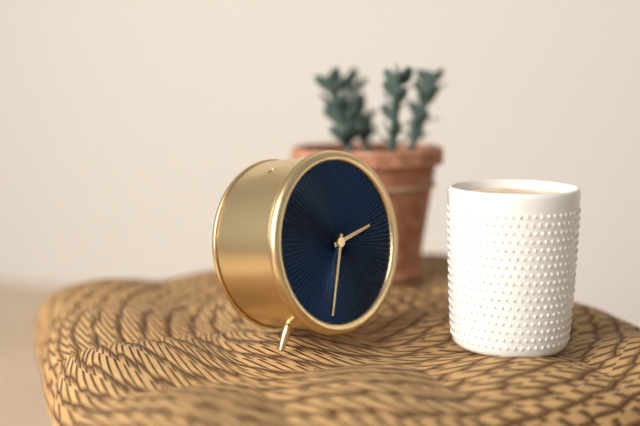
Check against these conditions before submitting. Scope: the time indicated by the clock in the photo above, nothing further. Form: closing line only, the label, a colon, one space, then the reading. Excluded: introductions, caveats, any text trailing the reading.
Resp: 2:33
